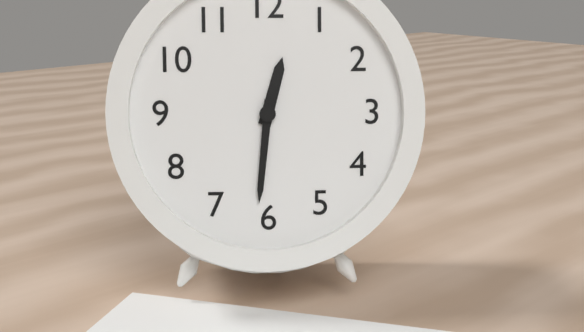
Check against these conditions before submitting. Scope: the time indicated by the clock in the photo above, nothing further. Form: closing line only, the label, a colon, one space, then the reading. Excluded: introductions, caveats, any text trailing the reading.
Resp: 12:31
